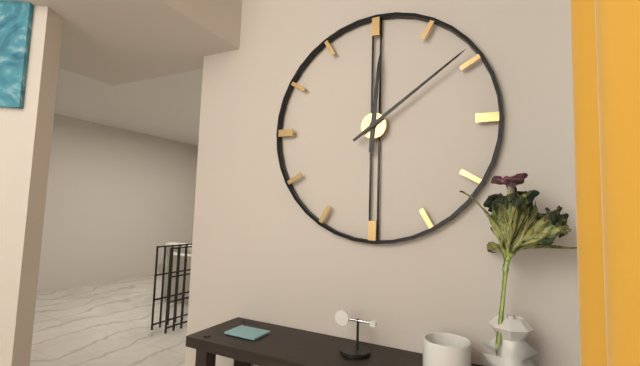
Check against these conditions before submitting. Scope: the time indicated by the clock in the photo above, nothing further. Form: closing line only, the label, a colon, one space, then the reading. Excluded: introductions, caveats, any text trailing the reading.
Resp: 12:09
